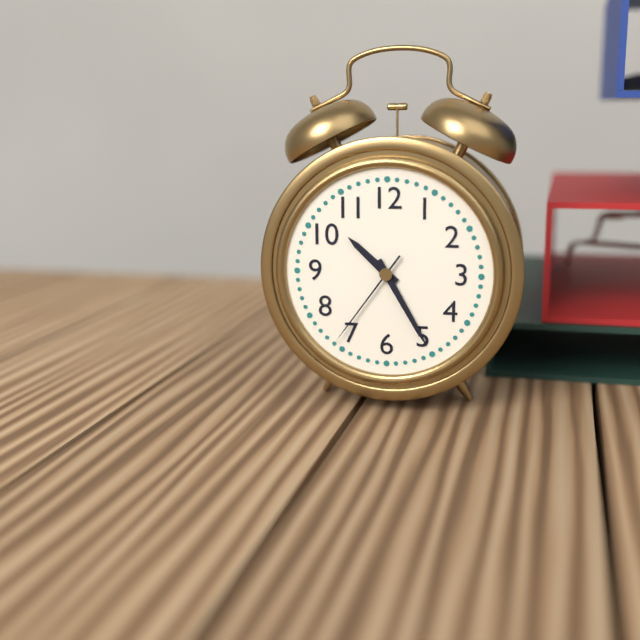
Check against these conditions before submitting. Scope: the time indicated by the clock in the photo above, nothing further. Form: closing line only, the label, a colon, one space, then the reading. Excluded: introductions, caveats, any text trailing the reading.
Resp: 10:25:36
